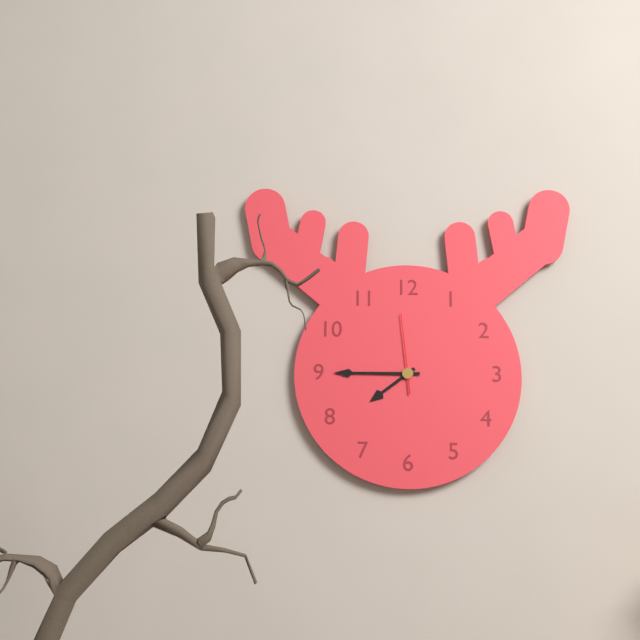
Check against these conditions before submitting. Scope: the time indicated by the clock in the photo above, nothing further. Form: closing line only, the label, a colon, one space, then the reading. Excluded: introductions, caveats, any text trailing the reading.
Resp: 7:45:59
